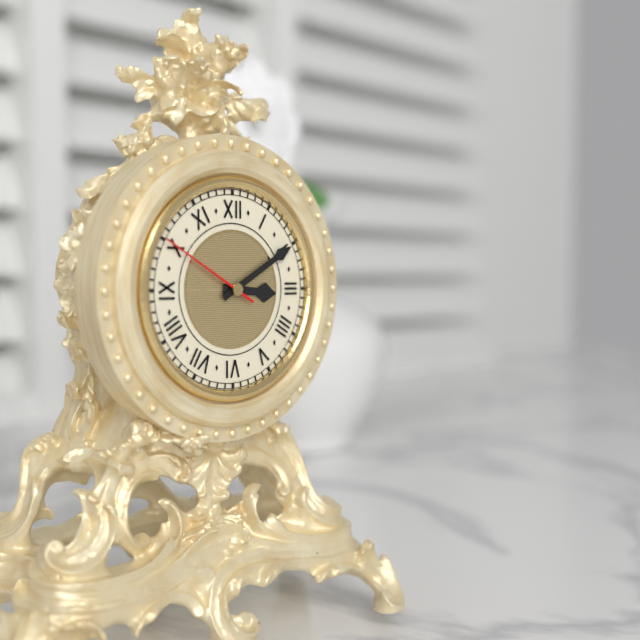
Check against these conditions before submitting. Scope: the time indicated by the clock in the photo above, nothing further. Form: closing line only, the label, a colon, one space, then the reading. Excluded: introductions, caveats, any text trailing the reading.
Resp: 3:10:50
